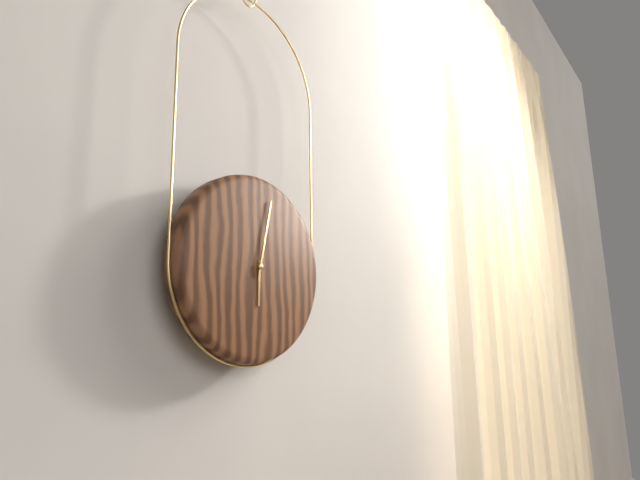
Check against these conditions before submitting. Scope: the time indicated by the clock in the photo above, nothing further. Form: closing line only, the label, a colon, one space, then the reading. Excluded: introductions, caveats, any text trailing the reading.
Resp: 6:02
